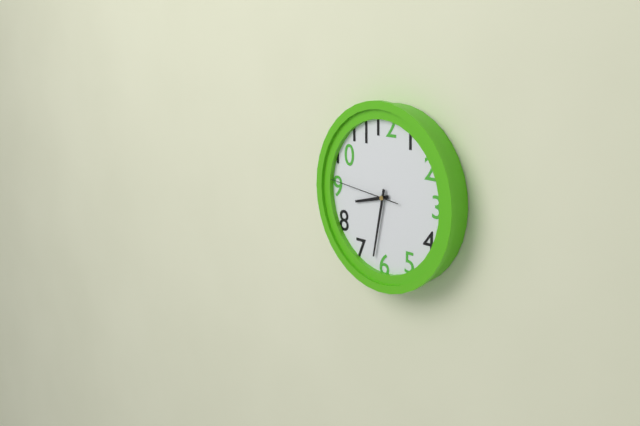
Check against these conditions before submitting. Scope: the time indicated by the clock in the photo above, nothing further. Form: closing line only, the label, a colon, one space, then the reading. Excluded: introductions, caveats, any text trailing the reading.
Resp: 8:32:46
